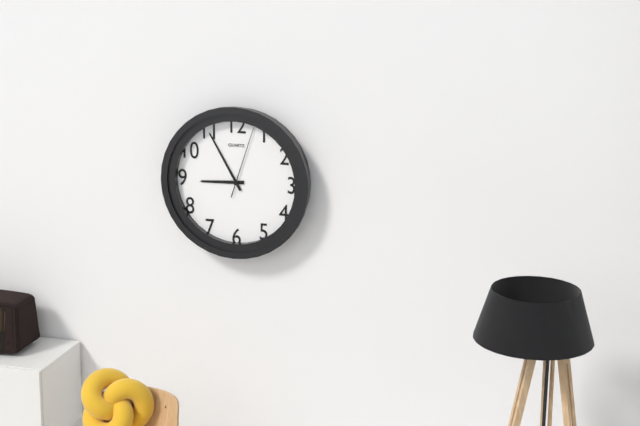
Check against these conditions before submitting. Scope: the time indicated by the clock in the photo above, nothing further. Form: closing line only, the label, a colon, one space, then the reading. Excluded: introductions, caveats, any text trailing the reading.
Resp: 8:55:03
